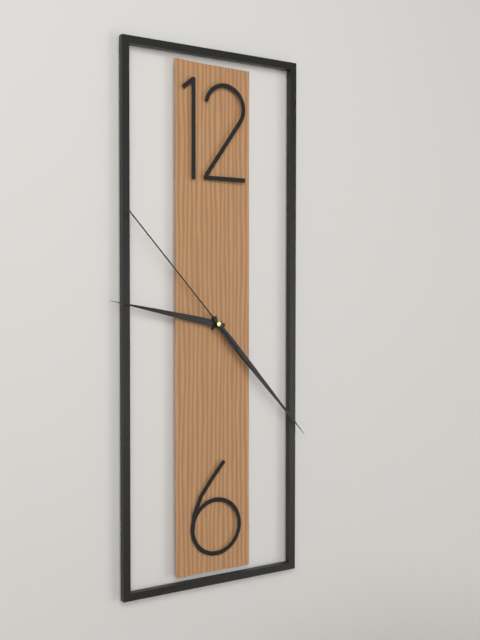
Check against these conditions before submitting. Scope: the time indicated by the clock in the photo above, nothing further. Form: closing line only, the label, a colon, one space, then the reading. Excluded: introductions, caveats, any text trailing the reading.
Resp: 9:23:53
